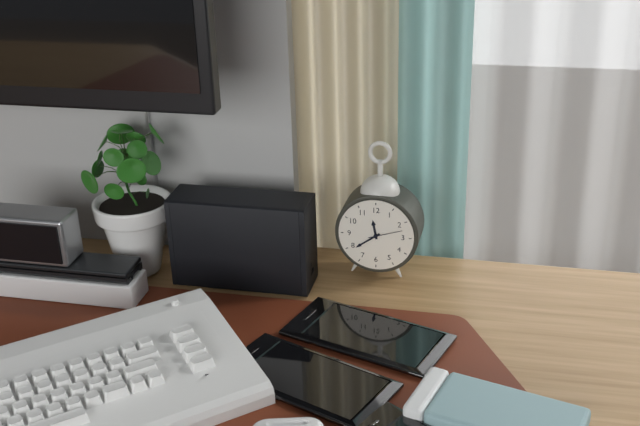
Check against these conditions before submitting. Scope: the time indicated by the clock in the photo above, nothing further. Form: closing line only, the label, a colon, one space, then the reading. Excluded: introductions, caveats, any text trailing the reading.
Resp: 11:39
